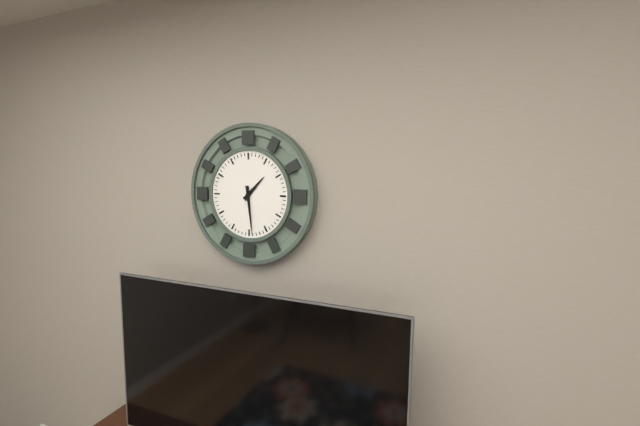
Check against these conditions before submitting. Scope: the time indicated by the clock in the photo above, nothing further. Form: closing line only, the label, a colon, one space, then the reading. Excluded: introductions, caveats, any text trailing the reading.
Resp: 1:29
